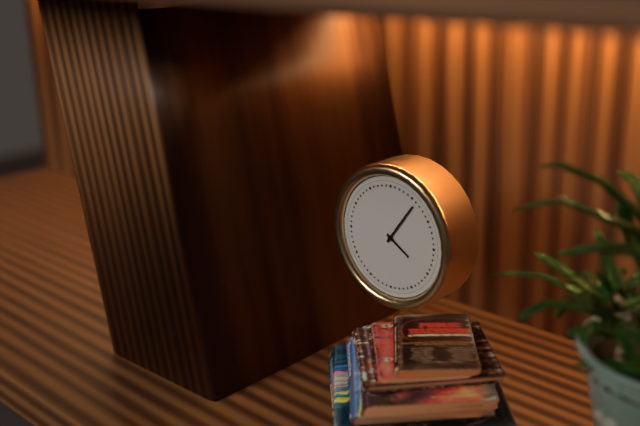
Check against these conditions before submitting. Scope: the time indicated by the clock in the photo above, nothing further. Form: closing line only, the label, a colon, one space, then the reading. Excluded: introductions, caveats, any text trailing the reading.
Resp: 4:06
